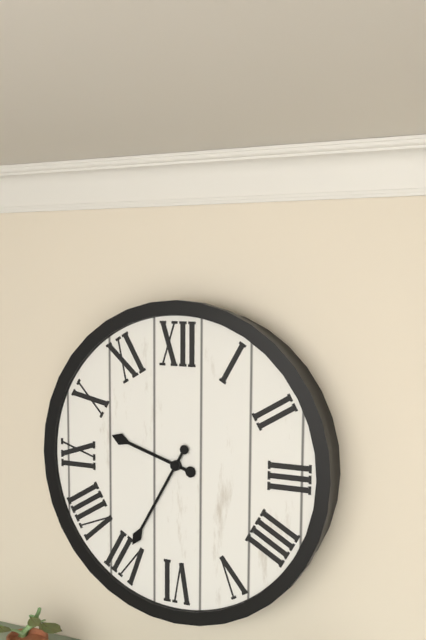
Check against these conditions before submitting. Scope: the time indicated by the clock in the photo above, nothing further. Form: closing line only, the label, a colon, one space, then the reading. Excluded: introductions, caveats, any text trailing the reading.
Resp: 9:35
